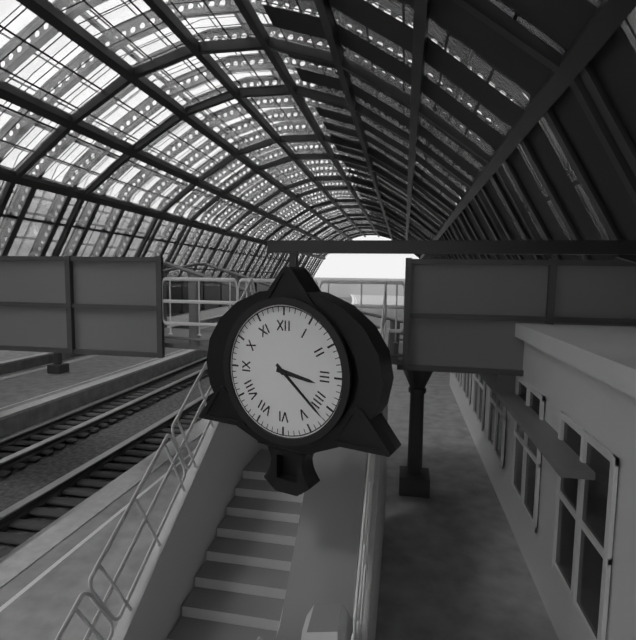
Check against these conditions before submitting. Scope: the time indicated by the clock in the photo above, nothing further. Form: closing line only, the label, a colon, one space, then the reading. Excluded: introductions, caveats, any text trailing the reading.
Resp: 3:22
